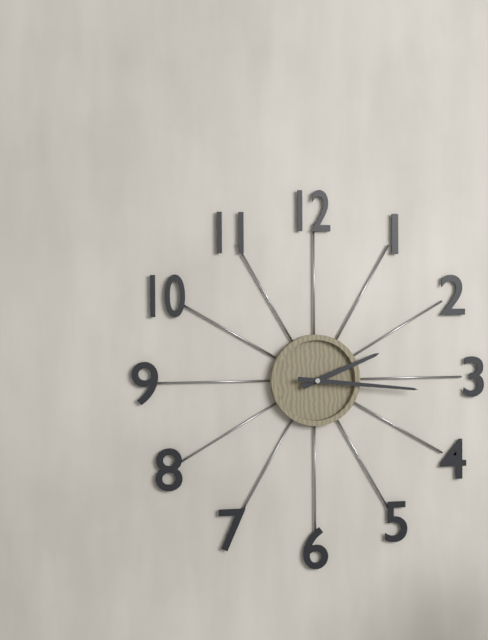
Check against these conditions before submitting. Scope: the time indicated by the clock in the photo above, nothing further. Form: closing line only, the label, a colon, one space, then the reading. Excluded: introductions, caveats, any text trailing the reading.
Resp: 2:16
